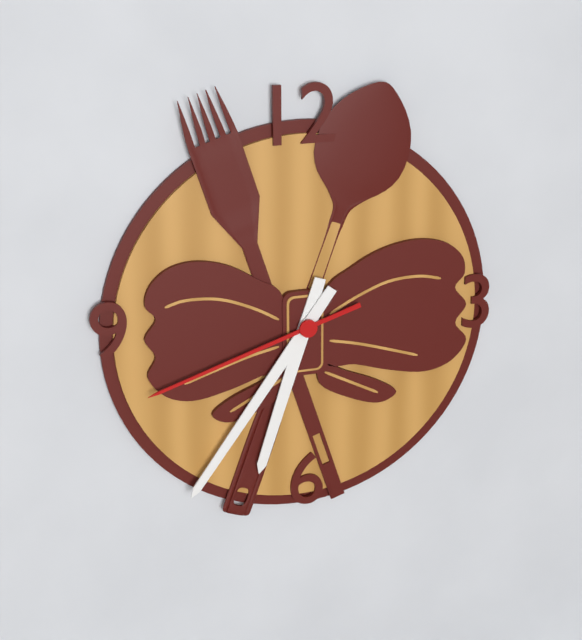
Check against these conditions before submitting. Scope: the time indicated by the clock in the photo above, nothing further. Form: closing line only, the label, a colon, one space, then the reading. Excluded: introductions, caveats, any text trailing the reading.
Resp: 6:36:42
